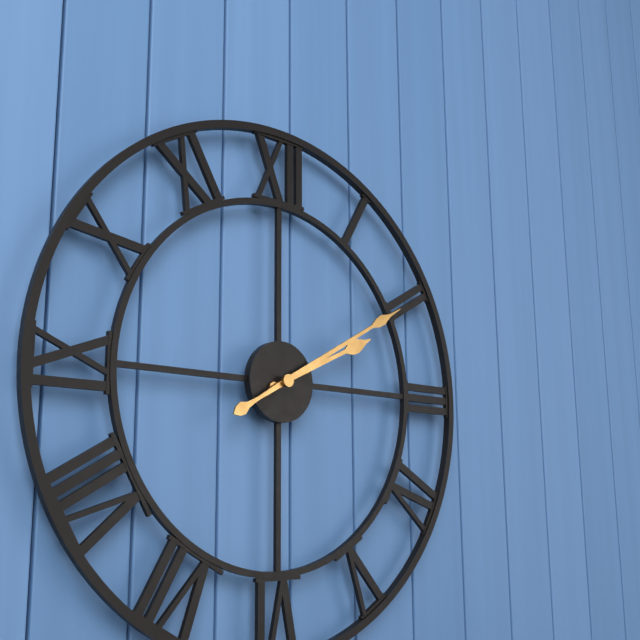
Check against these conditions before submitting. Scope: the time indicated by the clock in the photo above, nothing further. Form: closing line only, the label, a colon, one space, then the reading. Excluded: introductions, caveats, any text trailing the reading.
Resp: 2:10
